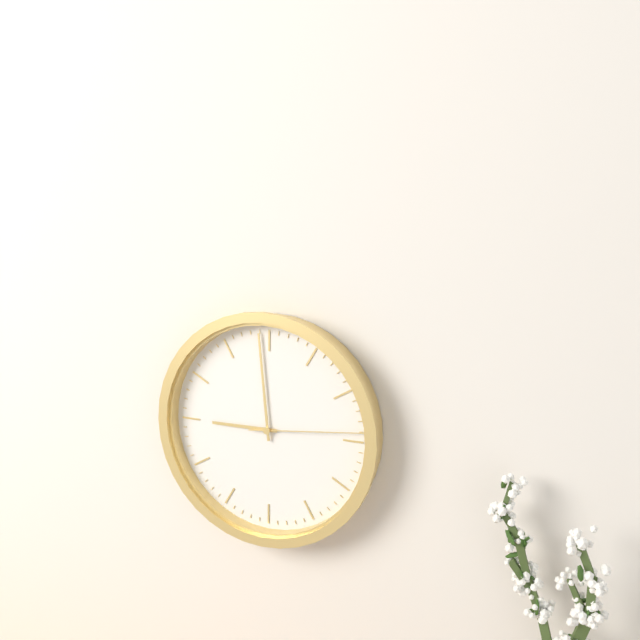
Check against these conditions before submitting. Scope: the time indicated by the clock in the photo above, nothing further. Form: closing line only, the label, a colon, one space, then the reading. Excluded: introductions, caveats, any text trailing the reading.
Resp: 8:59:14
